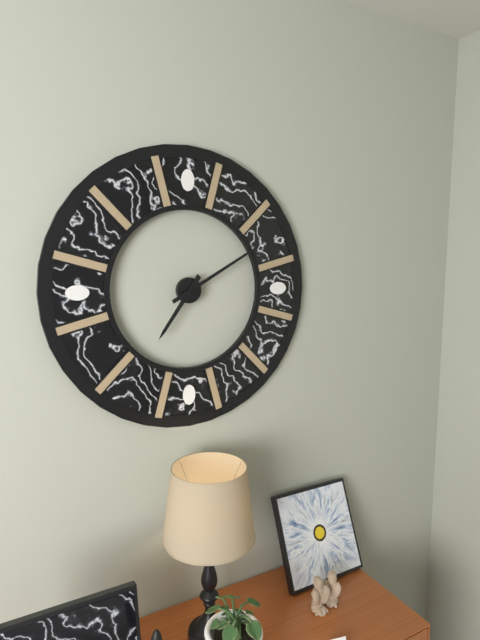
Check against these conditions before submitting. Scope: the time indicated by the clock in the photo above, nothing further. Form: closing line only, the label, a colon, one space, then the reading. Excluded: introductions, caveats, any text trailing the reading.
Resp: 7:10
